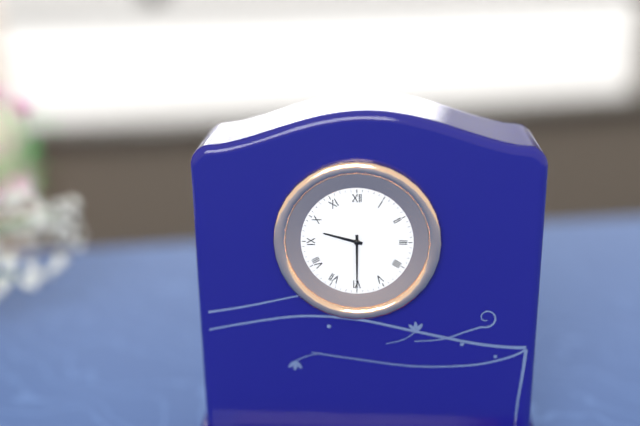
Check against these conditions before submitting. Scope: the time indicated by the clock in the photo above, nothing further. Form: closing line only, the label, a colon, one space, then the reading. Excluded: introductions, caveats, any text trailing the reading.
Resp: 9:30
